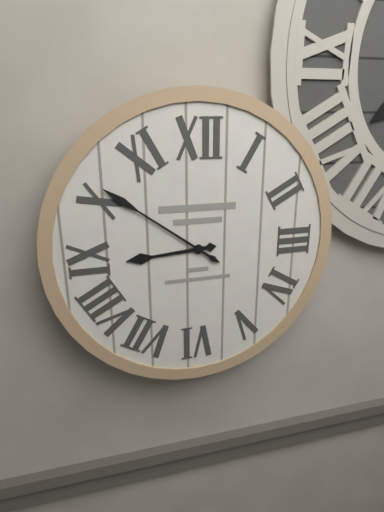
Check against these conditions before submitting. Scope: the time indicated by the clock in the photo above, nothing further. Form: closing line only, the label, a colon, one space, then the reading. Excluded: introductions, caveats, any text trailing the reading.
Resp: 8:51
